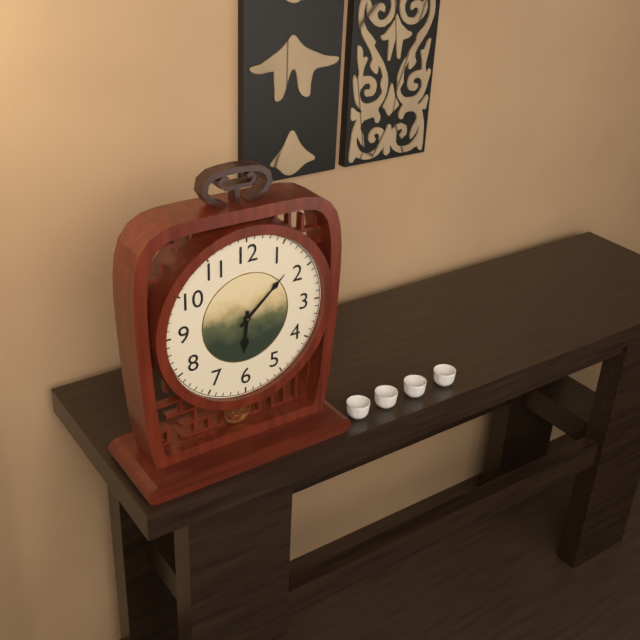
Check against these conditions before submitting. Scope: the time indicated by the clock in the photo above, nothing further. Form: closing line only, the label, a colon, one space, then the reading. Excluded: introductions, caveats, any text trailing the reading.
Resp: 6:08
